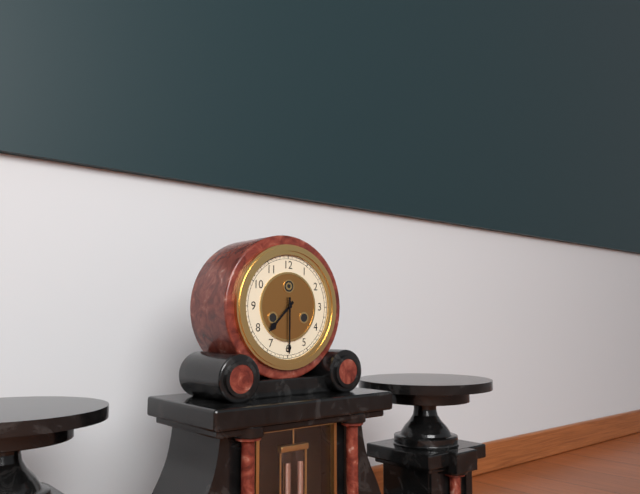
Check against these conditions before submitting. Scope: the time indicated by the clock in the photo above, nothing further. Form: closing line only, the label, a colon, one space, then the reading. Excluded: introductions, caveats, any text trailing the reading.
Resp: 7:30
